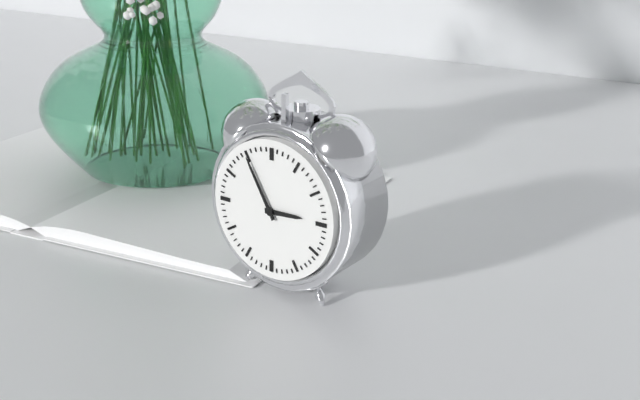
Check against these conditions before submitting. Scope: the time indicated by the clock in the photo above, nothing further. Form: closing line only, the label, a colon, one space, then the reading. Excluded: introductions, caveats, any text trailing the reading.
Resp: 2:55
